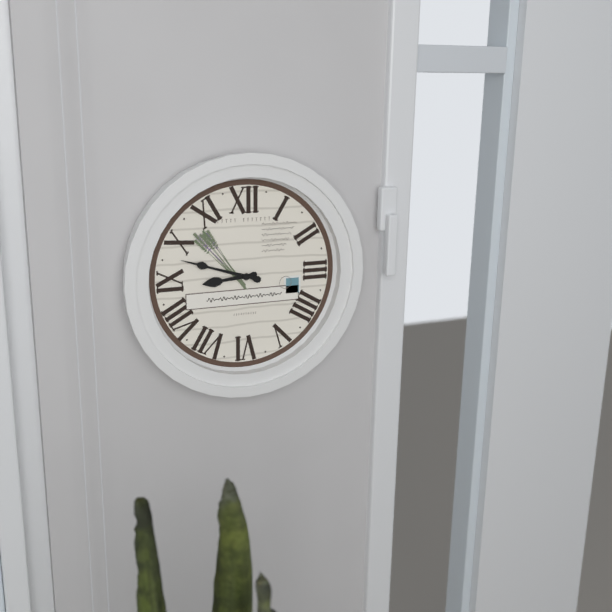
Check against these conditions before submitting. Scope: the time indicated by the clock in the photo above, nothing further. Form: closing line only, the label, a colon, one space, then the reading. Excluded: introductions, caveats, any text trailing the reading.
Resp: 8:48
